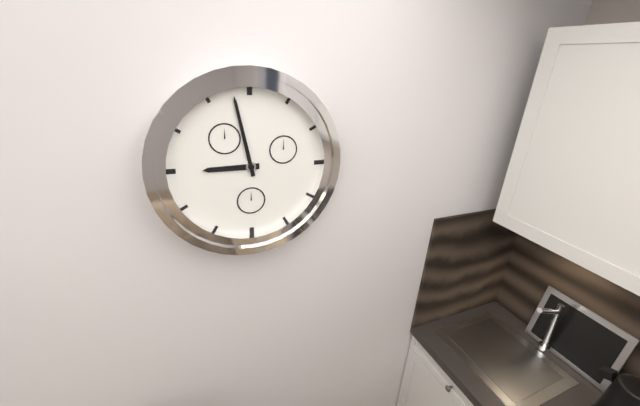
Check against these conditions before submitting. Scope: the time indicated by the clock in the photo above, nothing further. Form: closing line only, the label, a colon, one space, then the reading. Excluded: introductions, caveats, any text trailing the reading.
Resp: 8:58
